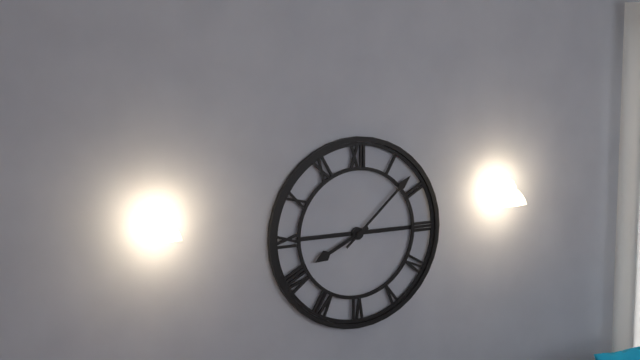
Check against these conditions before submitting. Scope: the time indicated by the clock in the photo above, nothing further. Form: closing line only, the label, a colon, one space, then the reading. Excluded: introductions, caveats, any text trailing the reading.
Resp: 8:08
